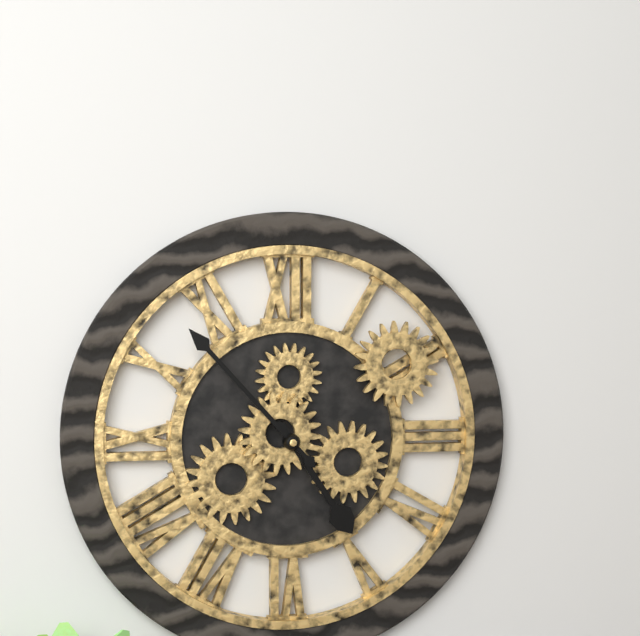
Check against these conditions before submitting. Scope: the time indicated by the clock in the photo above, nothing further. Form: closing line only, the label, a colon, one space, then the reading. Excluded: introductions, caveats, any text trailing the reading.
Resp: 4:53
